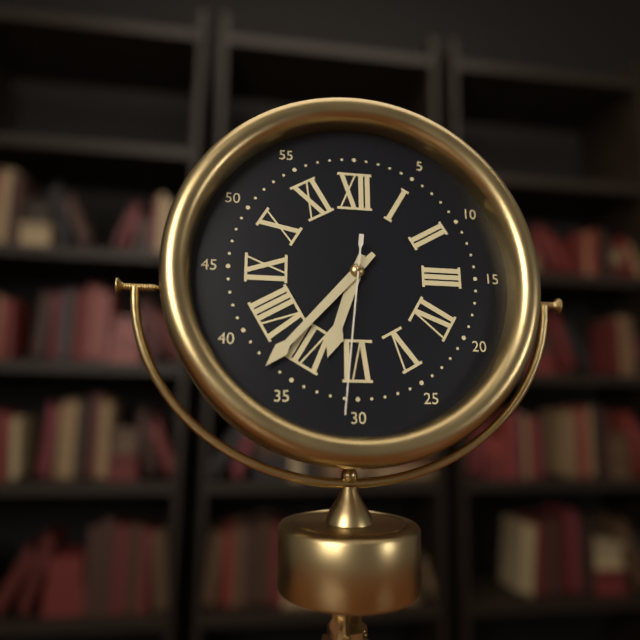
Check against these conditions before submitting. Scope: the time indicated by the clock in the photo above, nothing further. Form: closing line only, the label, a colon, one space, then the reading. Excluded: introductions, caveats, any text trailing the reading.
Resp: 6:37:31
